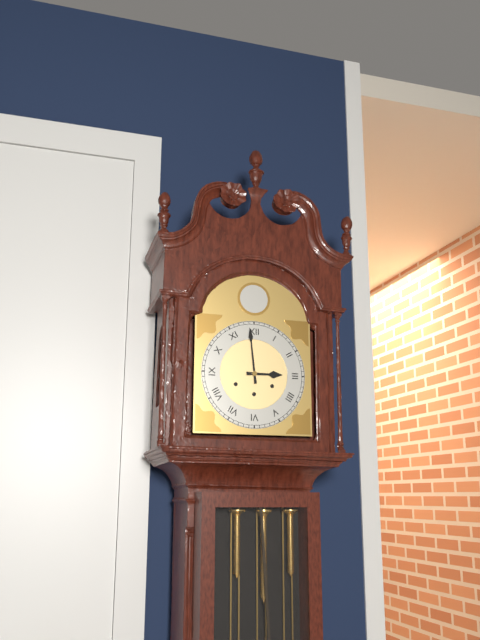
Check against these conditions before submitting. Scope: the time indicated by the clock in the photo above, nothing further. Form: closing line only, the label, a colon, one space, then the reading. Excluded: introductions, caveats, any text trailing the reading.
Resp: 2:59
